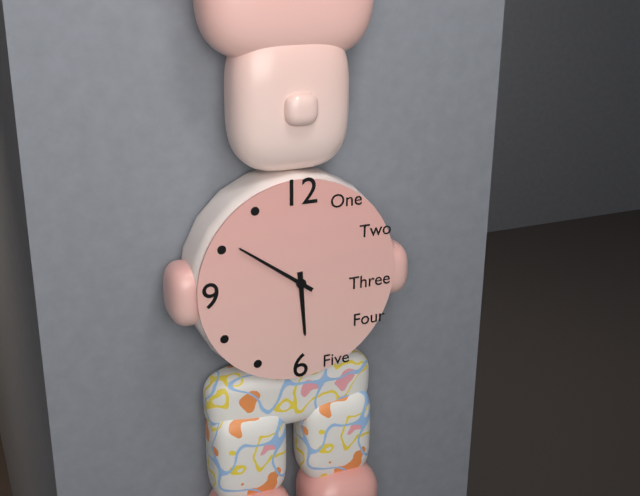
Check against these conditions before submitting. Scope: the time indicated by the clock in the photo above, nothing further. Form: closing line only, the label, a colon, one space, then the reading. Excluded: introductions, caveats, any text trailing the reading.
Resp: 5:51
